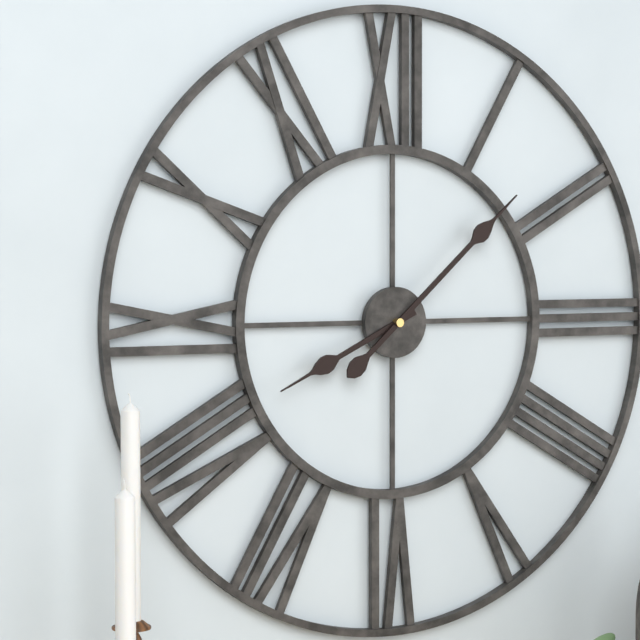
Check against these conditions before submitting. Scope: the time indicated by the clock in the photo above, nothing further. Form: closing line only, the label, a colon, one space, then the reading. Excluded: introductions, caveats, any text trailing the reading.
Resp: 8:08
